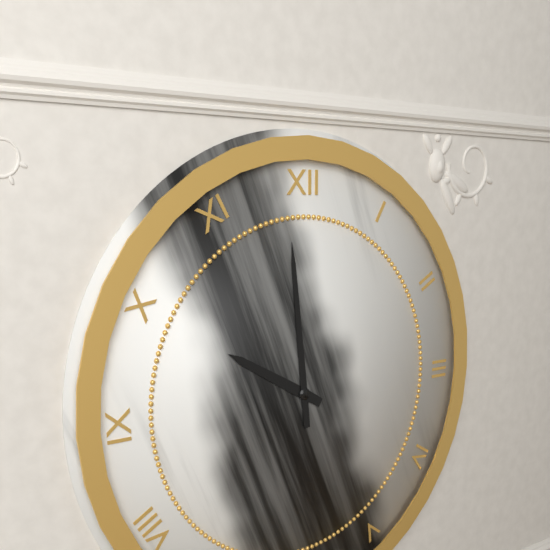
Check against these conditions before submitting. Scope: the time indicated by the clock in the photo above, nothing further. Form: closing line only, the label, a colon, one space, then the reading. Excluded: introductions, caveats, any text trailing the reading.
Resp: 9:59
